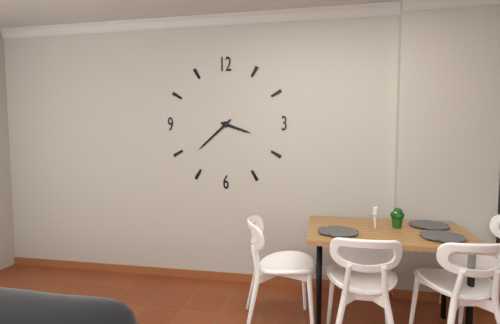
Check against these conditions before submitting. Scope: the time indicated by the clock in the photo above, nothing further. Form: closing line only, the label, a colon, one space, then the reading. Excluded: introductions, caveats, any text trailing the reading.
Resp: 3:38
